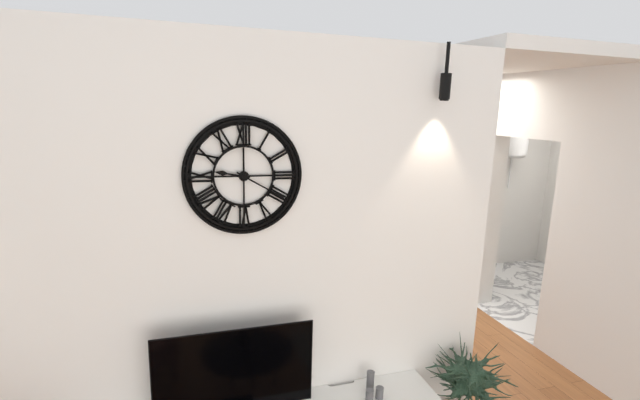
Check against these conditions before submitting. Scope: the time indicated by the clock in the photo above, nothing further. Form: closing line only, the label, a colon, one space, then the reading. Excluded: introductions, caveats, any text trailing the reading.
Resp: 9:20
